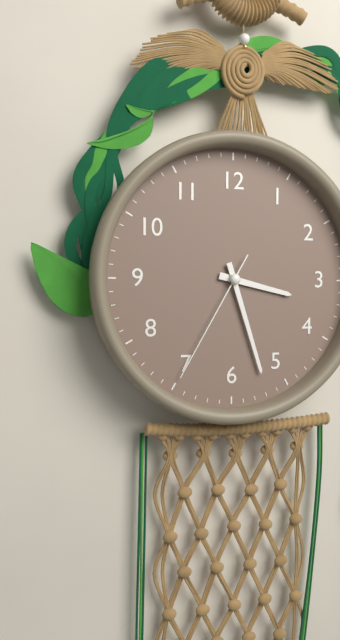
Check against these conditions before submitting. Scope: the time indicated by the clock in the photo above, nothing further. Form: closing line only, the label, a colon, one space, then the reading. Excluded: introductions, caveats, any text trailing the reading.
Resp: 3:27:35
